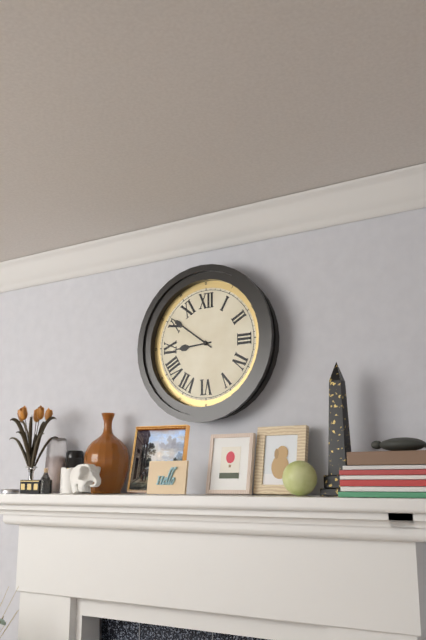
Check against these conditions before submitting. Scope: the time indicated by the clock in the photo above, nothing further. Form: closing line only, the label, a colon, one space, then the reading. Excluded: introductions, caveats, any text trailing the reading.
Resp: 8:51
